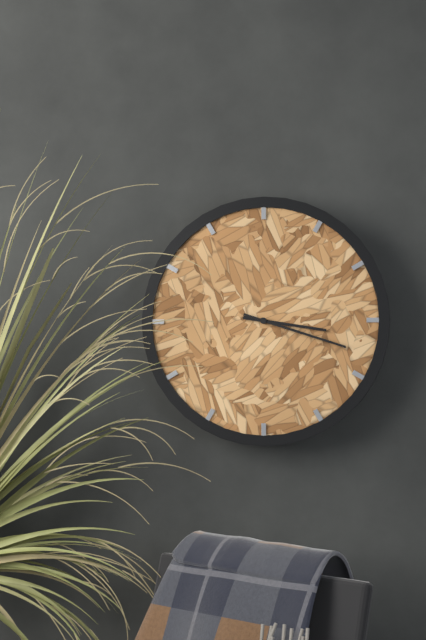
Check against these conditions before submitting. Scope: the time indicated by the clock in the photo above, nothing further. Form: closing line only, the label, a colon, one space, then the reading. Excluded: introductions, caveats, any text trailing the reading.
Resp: 3:18
